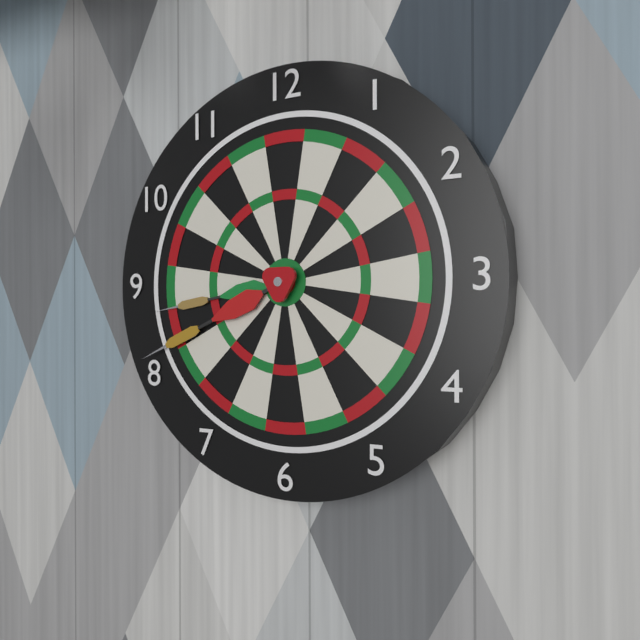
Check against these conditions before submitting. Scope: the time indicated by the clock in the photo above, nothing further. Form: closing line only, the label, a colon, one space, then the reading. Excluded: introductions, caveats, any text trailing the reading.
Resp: 8:41
